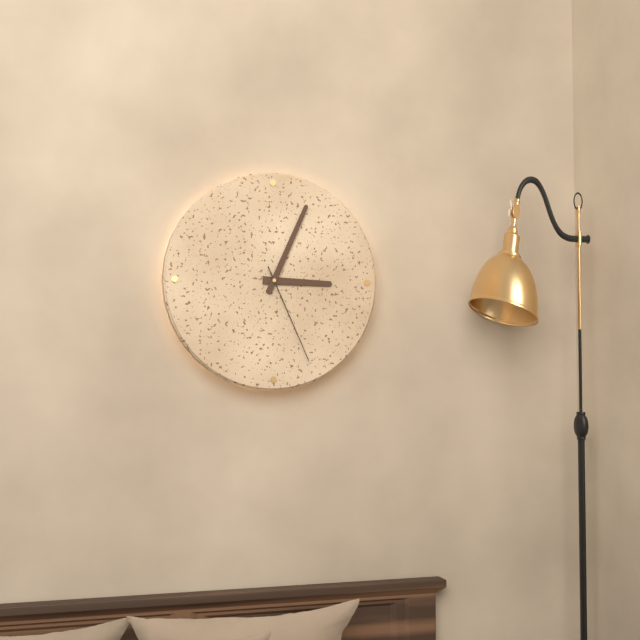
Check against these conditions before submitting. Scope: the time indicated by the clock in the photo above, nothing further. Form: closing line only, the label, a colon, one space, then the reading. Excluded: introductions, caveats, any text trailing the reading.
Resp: 3:04:26
